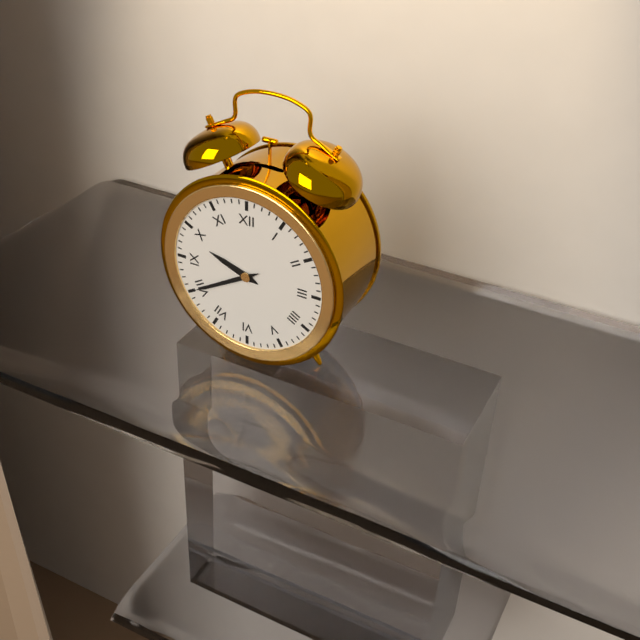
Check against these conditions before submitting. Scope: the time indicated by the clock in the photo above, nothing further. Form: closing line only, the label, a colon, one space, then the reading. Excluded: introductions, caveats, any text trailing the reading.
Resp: 9:40
